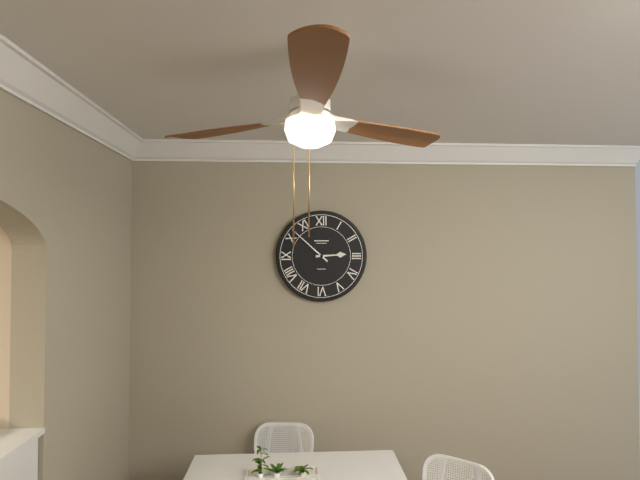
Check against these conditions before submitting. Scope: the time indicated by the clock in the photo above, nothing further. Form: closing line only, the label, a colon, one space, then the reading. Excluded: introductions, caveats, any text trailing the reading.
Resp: 2:52
